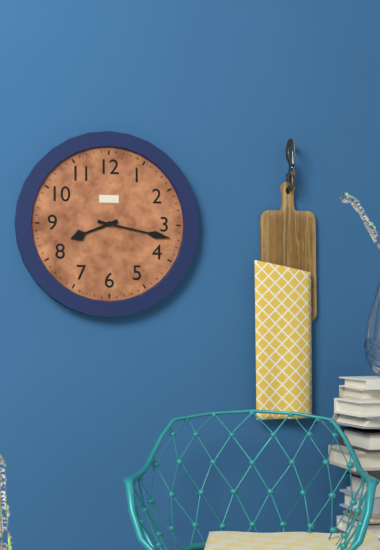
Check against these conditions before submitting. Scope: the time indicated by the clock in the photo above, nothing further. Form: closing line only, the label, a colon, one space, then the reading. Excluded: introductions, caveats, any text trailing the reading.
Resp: 8:17
